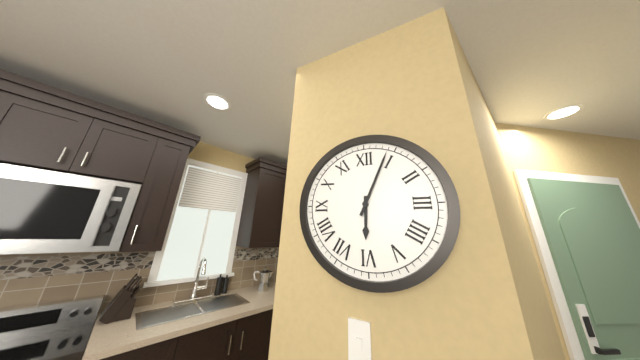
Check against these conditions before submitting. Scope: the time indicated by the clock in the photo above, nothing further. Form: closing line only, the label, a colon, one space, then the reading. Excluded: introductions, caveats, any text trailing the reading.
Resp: 6:04
